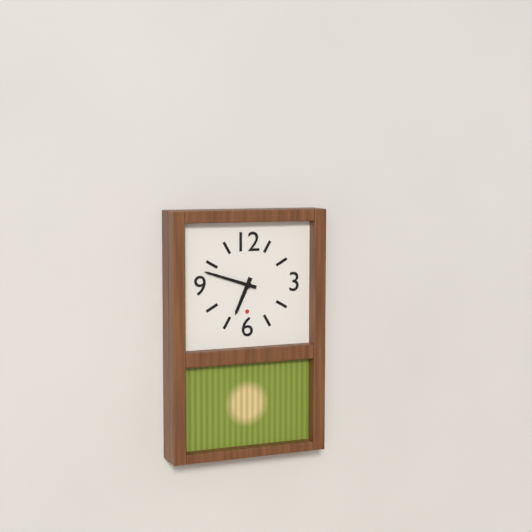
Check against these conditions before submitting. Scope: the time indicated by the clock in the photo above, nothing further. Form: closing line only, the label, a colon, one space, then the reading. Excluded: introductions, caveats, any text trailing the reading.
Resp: 6:48
